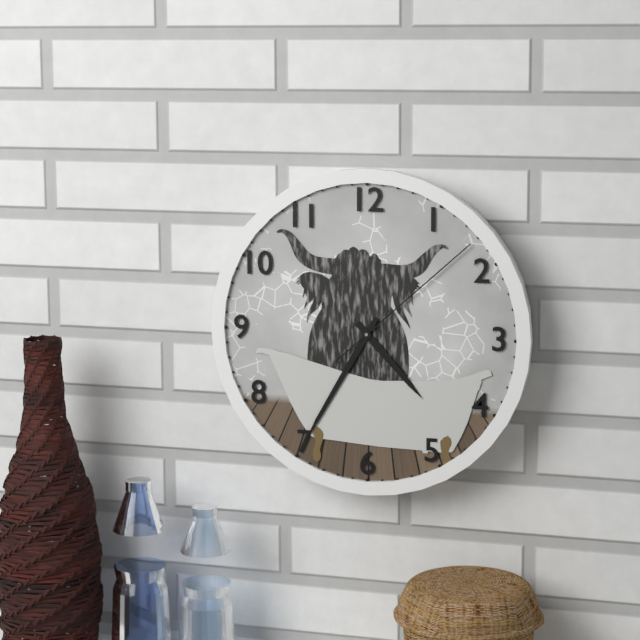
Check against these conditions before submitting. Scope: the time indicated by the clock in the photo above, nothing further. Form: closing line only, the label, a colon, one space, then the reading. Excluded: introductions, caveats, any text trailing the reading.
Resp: 4:35:08
